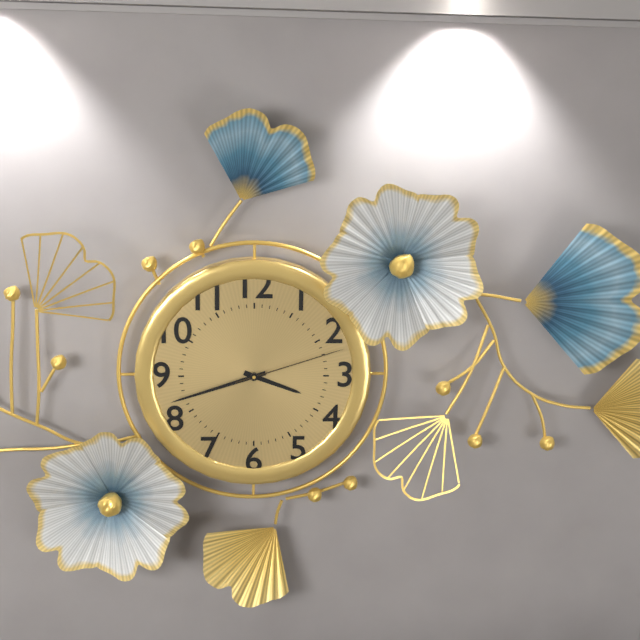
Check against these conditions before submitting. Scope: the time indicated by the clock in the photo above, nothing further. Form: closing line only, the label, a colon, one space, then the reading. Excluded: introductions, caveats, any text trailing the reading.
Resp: 3:42:12
